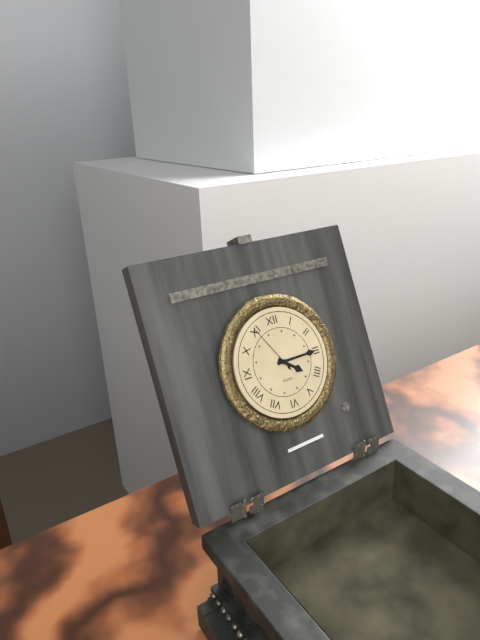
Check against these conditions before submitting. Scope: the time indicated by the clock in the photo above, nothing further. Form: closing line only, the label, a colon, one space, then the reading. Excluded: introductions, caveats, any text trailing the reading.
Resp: 4:15:55
